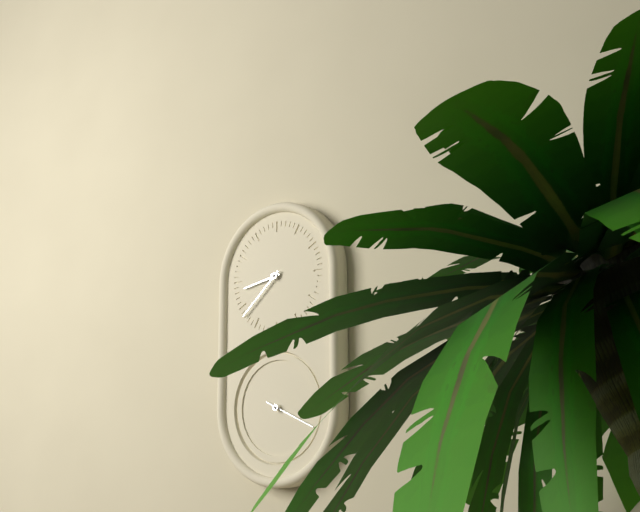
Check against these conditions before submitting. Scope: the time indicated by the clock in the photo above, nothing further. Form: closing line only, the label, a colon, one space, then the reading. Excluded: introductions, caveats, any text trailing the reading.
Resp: 8:38
